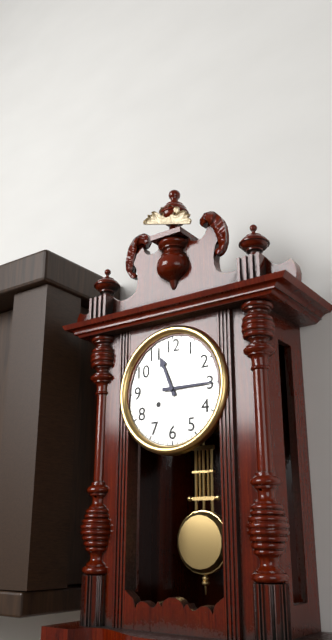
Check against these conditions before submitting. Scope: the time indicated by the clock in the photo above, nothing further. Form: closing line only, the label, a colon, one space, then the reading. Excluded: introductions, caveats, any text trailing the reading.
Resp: 11:15
